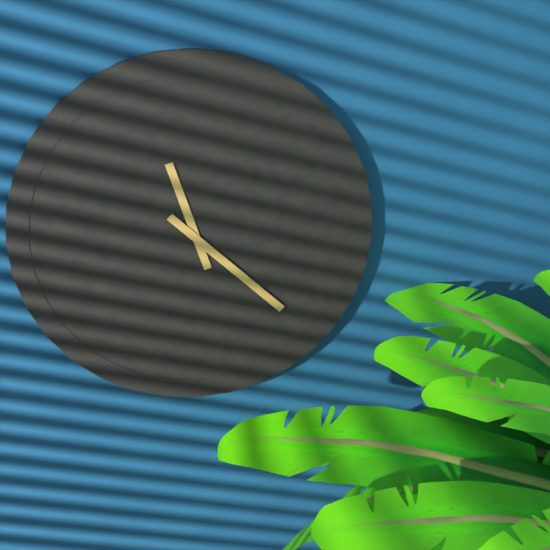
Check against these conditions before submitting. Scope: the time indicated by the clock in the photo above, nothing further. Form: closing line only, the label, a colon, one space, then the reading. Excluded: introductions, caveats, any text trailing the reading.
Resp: 11:22
